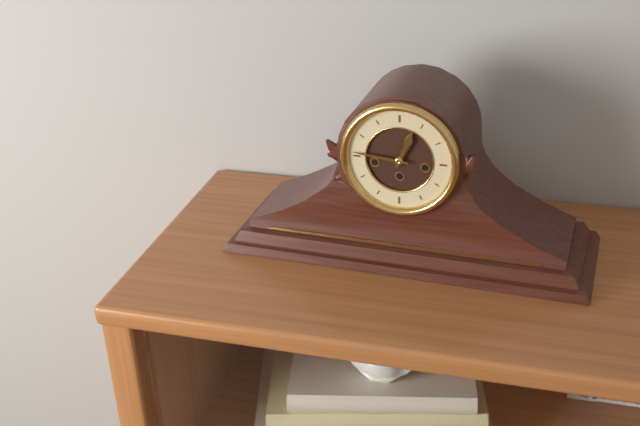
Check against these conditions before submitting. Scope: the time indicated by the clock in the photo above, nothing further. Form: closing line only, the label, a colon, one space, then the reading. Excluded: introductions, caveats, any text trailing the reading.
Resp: 12:46
